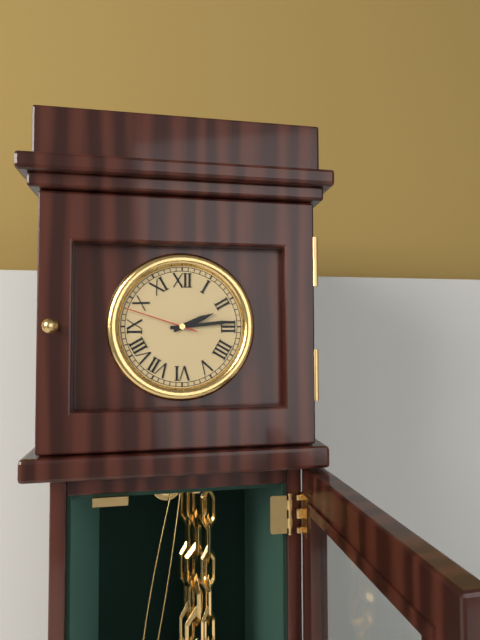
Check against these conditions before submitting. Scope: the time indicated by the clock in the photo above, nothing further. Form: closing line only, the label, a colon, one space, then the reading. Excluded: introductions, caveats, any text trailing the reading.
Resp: 2:14:48
